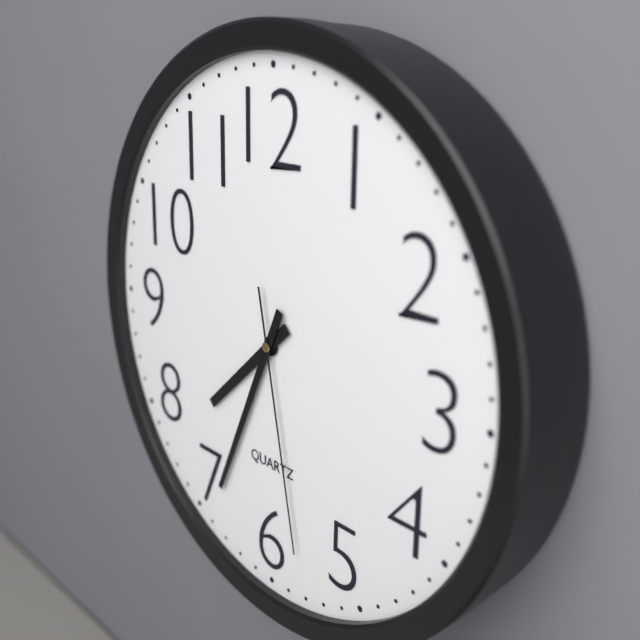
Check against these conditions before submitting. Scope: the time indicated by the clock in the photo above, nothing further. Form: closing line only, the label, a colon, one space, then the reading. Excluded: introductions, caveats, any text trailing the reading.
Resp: 7:34:28
